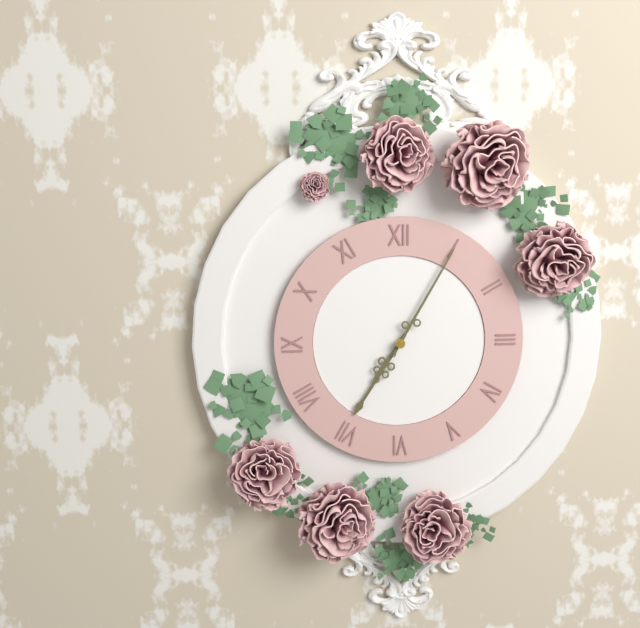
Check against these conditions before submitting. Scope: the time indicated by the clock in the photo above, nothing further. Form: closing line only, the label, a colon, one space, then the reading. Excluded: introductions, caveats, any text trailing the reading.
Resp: 7:05
